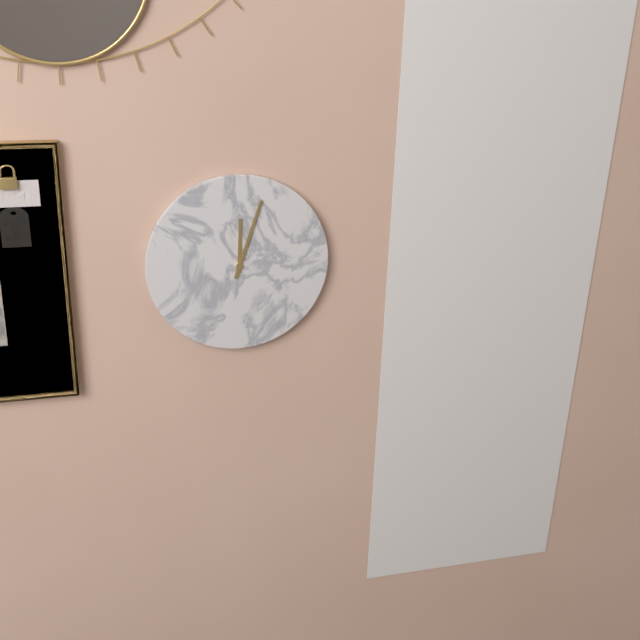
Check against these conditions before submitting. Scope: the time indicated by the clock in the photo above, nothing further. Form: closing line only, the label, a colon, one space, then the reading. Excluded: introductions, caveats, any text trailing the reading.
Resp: 12:03
